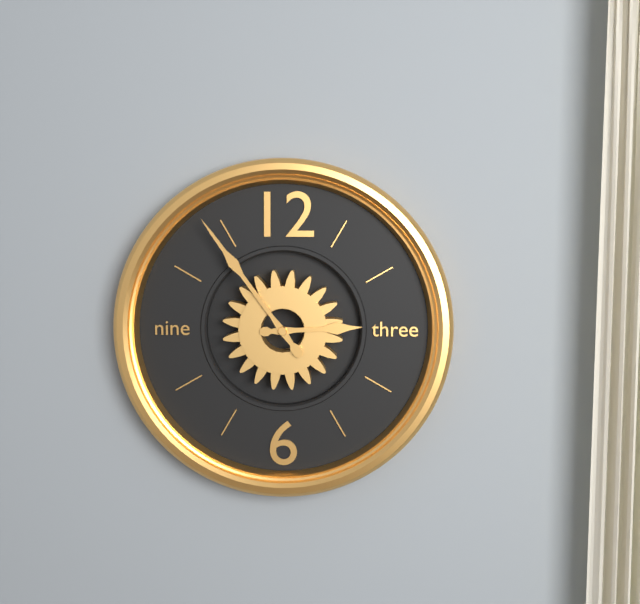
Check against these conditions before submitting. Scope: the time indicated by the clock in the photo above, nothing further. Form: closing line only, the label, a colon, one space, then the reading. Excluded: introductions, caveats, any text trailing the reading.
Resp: 2:54
